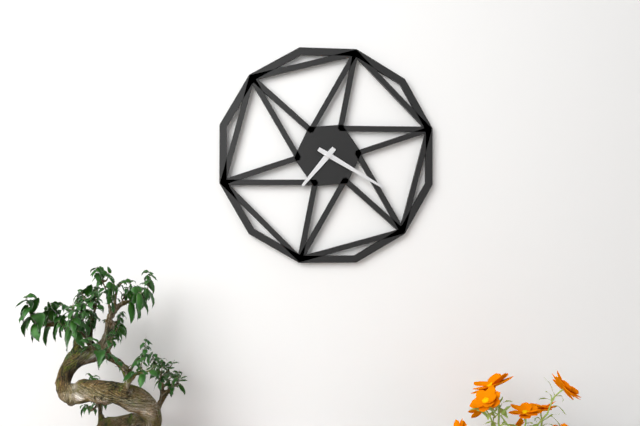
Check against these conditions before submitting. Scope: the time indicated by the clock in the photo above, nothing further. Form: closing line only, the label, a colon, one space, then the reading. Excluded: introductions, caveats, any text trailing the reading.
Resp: 7:20
